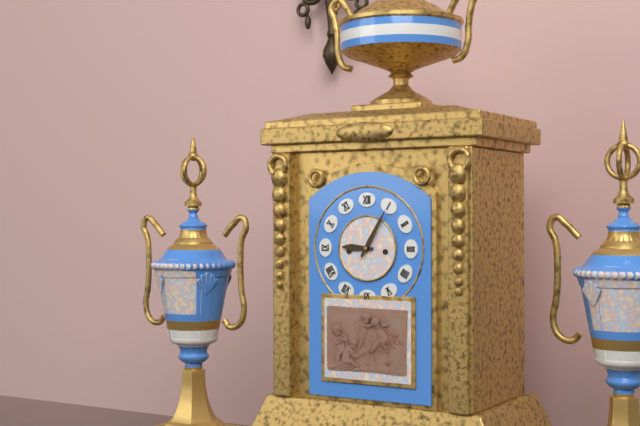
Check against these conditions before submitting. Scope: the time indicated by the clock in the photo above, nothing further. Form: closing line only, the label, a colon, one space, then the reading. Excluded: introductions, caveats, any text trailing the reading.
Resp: 9:05
